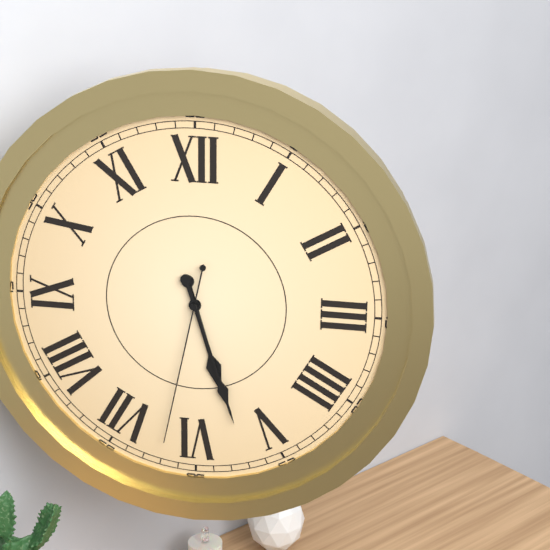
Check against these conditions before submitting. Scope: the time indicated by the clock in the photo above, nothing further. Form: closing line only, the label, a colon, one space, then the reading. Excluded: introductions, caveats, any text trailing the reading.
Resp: 5:27:32
